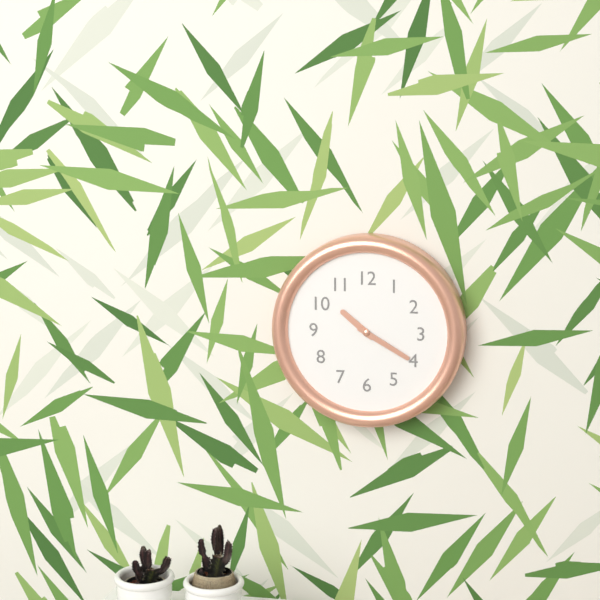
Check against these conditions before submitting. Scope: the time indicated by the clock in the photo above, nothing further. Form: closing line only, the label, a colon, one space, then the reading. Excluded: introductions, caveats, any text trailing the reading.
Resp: 10:20
